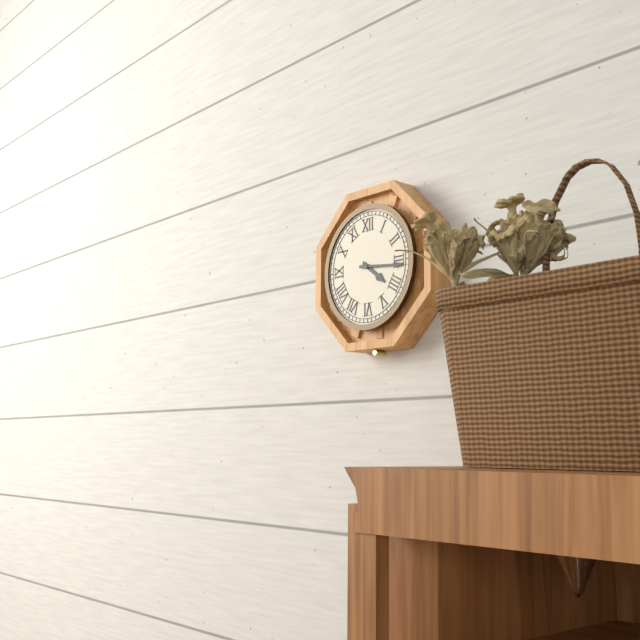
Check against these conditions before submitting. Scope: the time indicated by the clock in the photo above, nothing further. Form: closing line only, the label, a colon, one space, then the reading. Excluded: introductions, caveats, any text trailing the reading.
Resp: 4:16
